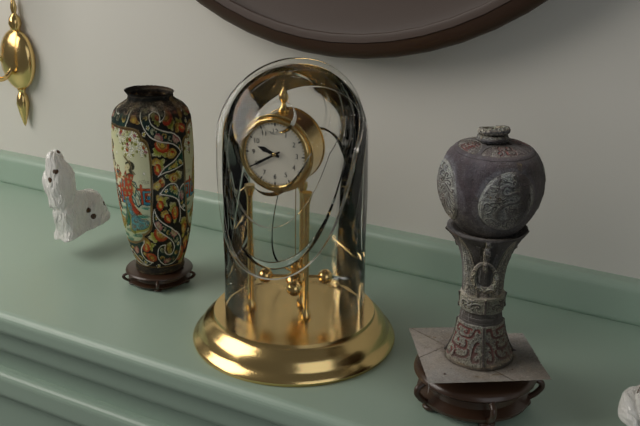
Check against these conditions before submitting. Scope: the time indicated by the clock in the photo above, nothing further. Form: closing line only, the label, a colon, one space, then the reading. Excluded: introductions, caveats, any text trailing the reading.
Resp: 9:40
